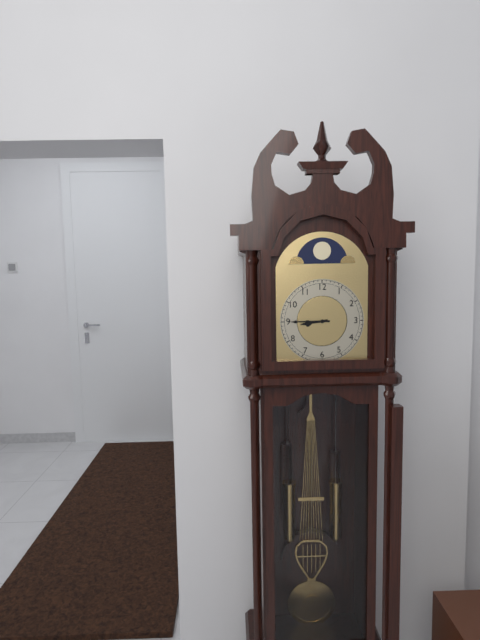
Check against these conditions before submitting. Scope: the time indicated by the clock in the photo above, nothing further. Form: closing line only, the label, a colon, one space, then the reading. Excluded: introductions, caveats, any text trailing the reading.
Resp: 8:45
